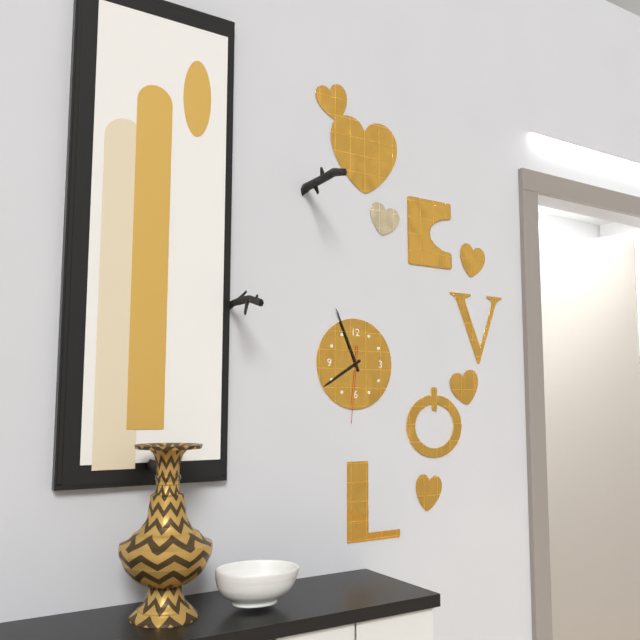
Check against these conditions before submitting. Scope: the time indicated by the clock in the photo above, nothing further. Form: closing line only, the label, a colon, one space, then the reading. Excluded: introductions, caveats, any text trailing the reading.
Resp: 7:56:31
